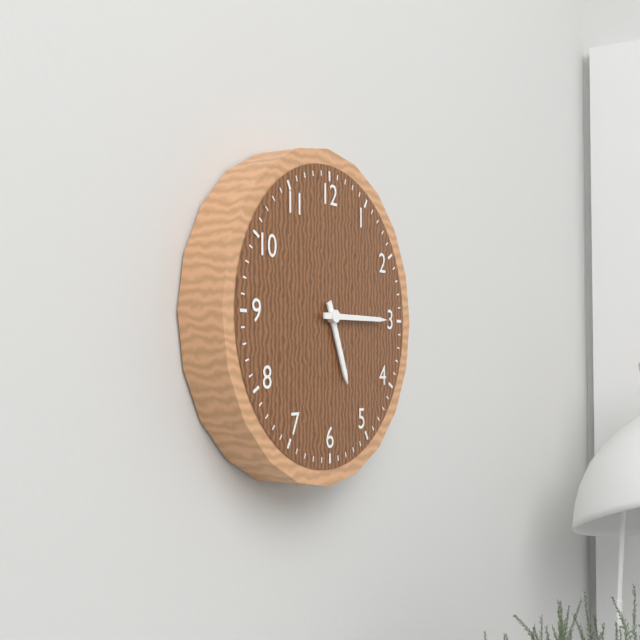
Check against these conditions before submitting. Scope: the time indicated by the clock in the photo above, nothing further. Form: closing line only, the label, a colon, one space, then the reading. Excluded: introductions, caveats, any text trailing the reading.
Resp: 5:15
